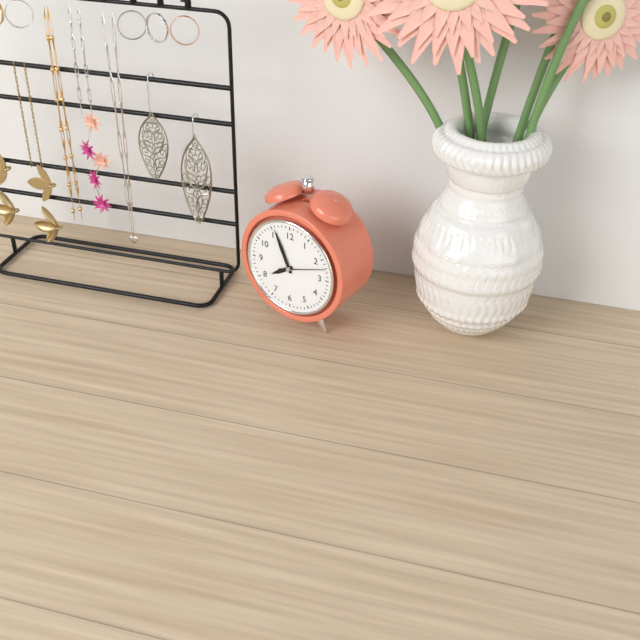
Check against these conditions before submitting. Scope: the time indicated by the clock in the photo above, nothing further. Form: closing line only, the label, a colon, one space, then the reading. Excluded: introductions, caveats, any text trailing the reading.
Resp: 7:56
